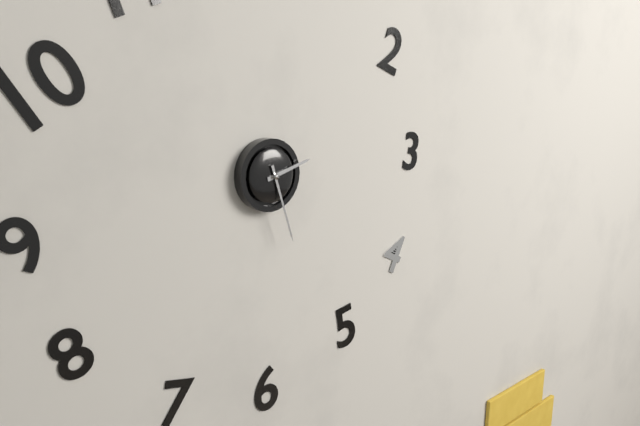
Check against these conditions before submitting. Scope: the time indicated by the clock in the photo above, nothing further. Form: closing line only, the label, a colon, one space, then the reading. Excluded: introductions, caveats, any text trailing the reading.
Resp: 2:27
